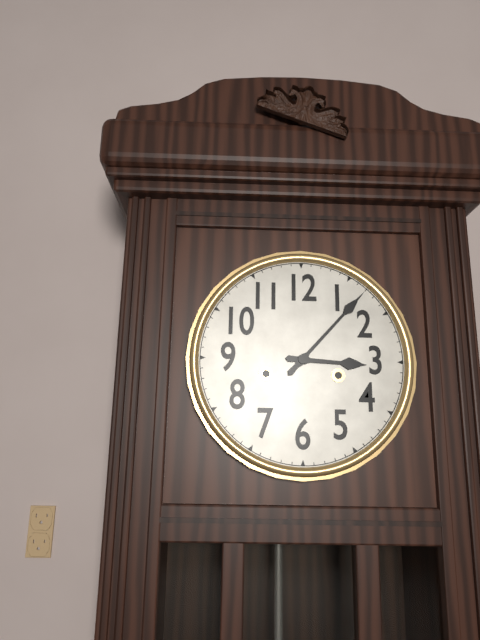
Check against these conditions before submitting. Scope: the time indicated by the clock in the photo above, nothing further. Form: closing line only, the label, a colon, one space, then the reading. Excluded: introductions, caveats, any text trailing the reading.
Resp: 3:07
